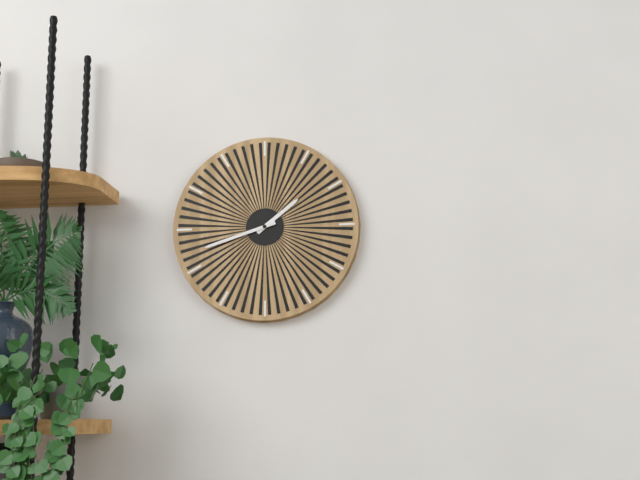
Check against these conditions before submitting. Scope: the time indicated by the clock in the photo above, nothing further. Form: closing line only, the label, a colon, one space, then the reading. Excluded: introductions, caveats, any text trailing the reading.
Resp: 1:42
